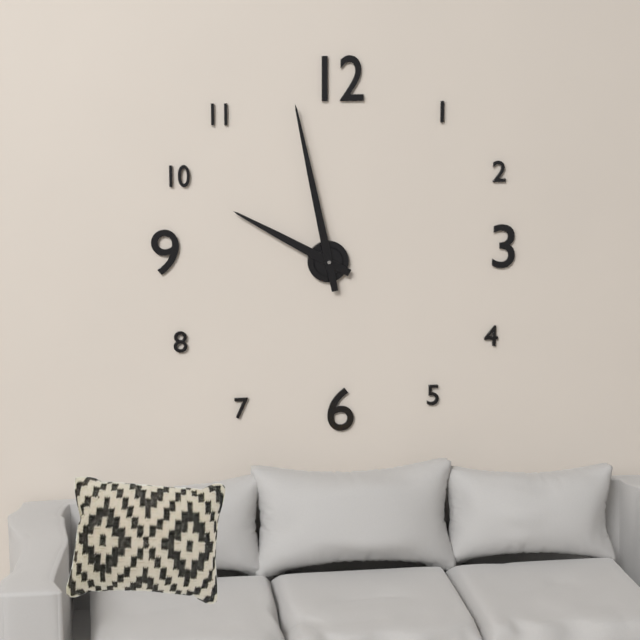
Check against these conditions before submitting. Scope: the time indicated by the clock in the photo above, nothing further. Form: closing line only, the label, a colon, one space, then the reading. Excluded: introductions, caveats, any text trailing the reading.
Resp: 9:58
